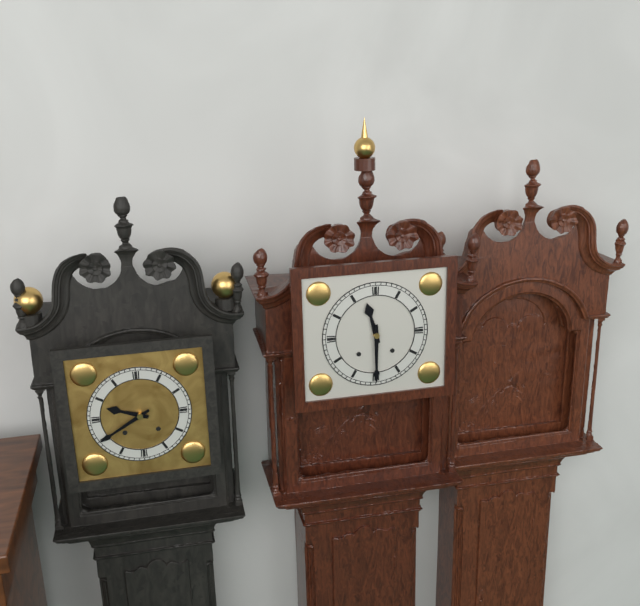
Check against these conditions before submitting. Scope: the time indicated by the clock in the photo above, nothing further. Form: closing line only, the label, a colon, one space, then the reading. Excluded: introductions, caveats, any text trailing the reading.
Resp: 11:30
